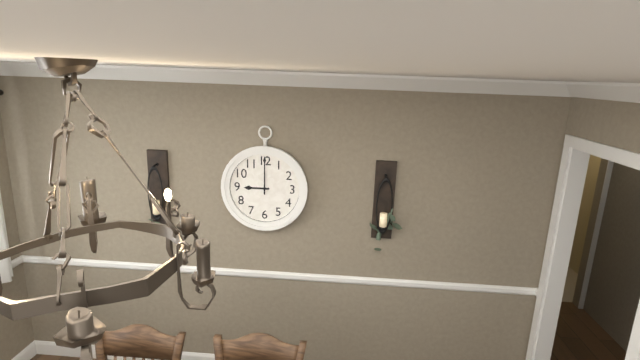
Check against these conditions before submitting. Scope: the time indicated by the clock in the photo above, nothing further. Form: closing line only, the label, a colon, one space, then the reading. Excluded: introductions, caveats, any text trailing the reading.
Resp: 9:00
